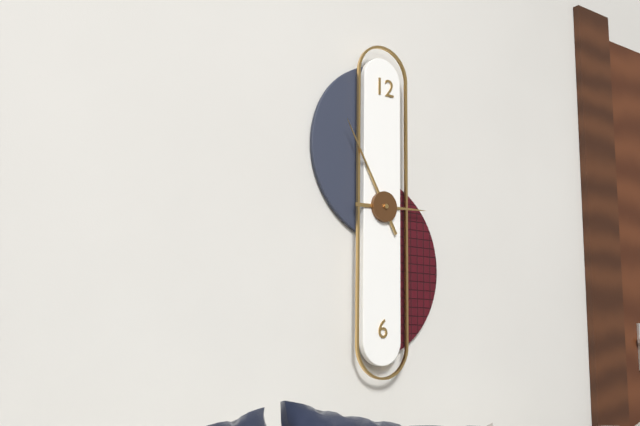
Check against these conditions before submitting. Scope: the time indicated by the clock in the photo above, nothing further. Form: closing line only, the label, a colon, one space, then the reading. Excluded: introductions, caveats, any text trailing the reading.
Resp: 2:55
